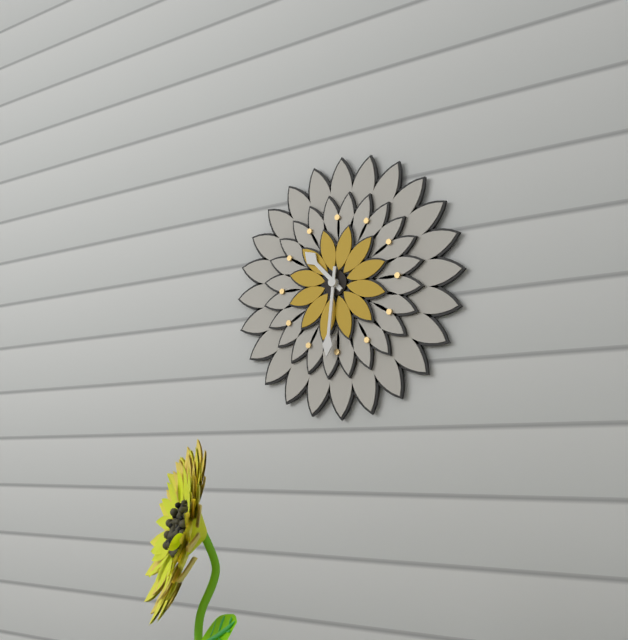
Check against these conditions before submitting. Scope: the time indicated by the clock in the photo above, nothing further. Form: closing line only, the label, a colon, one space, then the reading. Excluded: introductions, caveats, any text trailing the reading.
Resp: 10:31
